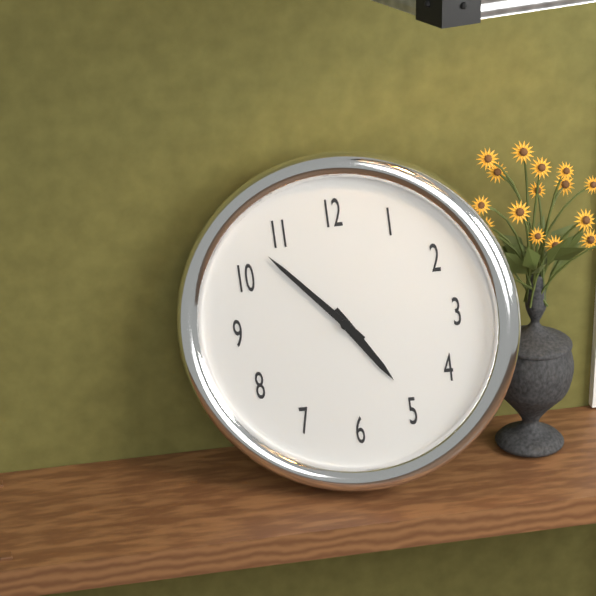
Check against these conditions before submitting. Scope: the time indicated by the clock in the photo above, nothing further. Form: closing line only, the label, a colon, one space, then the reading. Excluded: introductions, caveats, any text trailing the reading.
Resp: 4:53
